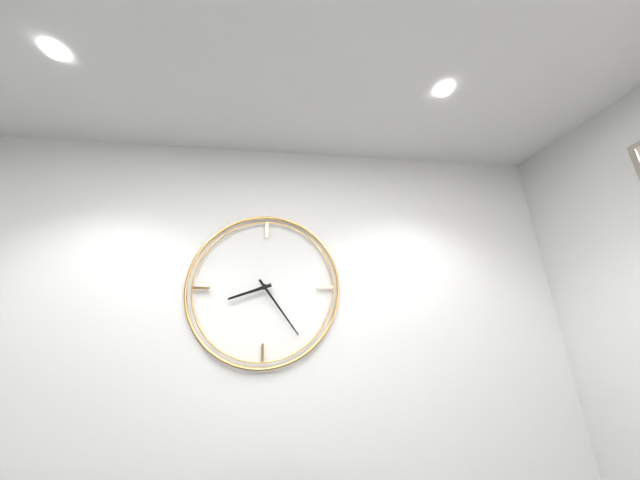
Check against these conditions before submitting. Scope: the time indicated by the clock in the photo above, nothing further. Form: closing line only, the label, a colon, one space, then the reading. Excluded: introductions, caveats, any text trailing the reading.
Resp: 8:24
